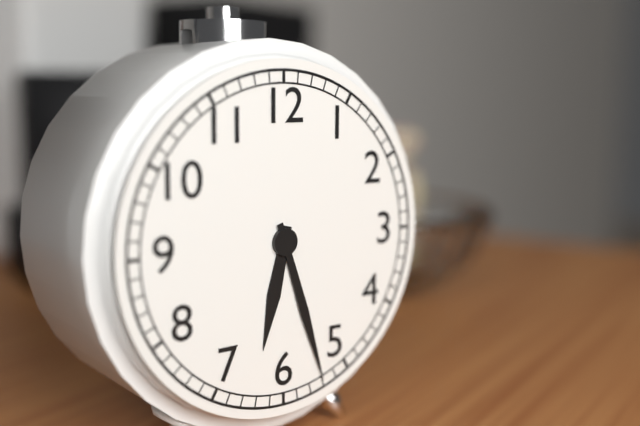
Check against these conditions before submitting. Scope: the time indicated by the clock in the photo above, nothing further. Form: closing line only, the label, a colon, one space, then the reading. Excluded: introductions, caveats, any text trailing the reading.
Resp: 6:27
